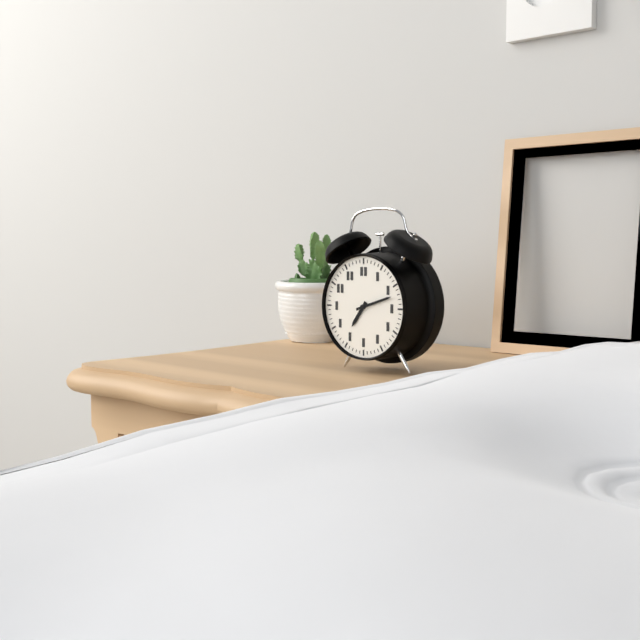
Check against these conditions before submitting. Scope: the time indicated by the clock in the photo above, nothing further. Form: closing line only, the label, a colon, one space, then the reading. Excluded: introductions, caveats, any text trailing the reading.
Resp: 7:12
